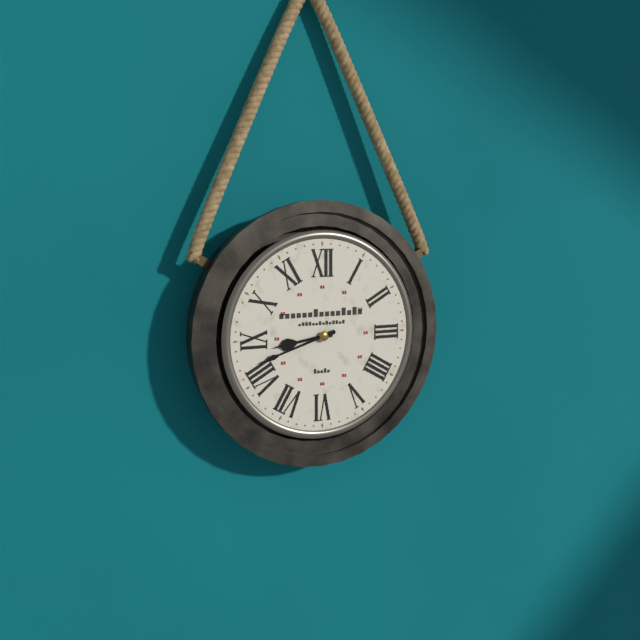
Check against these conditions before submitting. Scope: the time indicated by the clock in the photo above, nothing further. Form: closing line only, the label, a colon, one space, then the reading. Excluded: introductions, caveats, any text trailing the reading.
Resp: 8:42
